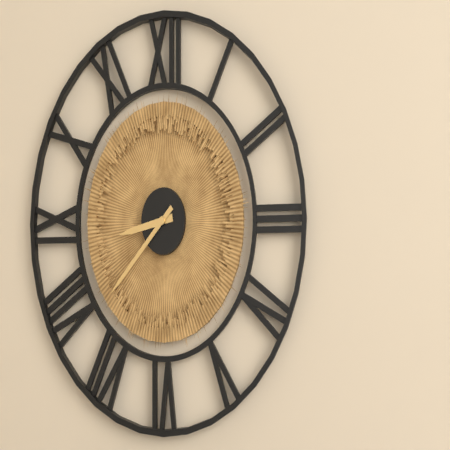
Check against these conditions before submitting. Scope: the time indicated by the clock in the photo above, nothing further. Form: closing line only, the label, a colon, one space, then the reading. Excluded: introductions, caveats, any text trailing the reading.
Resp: 8:38
